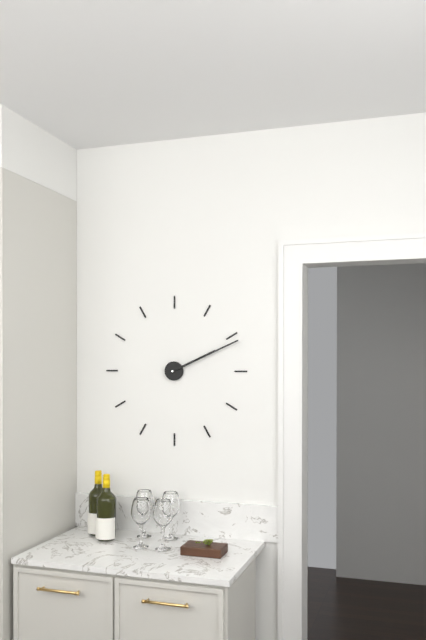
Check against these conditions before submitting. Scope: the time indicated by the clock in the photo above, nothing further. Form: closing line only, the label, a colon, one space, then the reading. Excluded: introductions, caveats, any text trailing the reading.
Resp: 2:11
